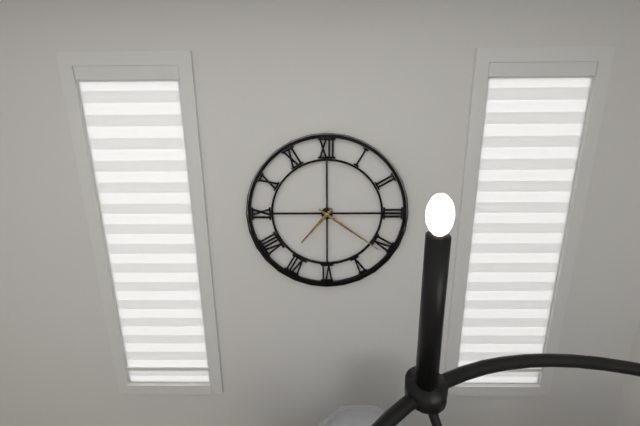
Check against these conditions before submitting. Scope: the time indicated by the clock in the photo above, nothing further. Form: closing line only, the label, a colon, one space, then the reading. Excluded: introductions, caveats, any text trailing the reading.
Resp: 7:21
